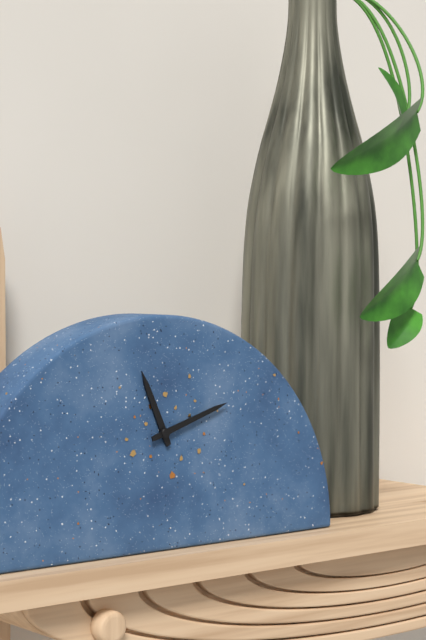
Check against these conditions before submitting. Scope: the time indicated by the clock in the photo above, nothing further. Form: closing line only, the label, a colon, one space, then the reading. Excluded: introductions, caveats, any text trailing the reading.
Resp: 11:12
